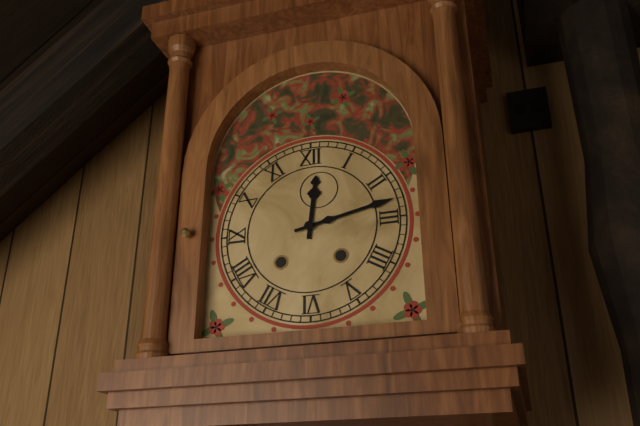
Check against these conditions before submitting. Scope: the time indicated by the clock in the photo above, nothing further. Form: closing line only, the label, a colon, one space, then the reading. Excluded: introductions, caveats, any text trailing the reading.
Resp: 12:13
